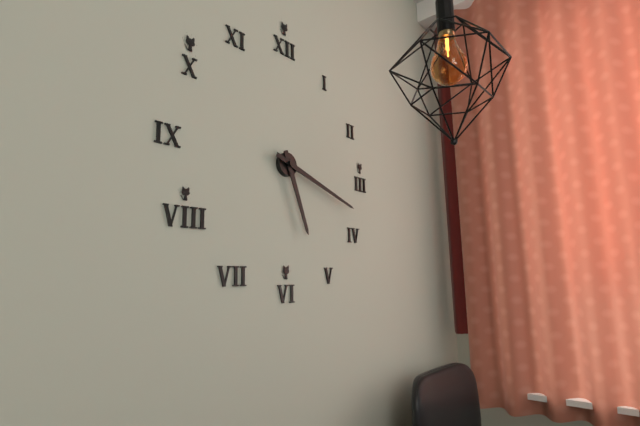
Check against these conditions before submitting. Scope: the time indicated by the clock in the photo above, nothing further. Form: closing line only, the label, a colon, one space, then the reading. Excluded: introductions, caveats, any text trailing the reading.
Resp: 5:18
